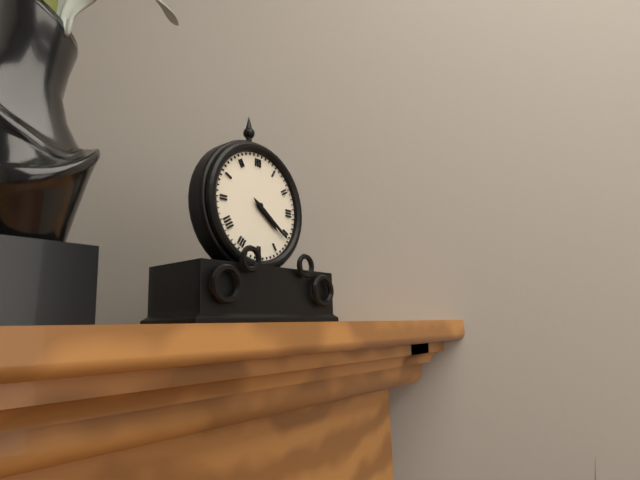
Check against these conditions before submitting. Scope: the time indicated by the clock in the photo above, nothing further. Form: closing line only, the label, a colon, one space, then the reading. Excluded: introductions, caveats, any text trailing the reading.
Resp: 4:21
